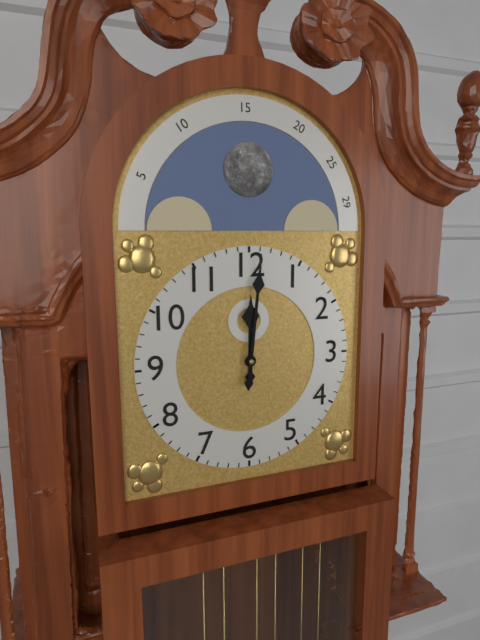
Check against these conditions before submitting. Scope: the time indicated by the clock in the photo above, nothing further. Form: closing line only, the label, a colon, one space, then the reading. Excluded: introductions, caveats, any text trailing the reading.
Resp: 12:01
